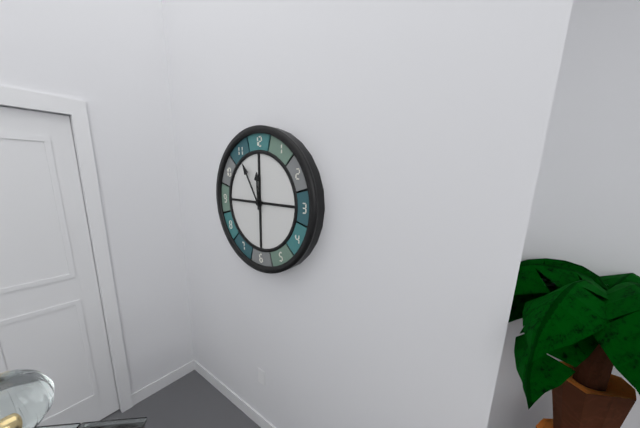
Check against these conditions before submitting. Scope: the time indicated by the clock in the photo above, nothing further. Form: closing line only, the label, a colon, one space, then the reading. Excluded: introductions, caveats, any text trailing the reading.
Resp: 11:55
